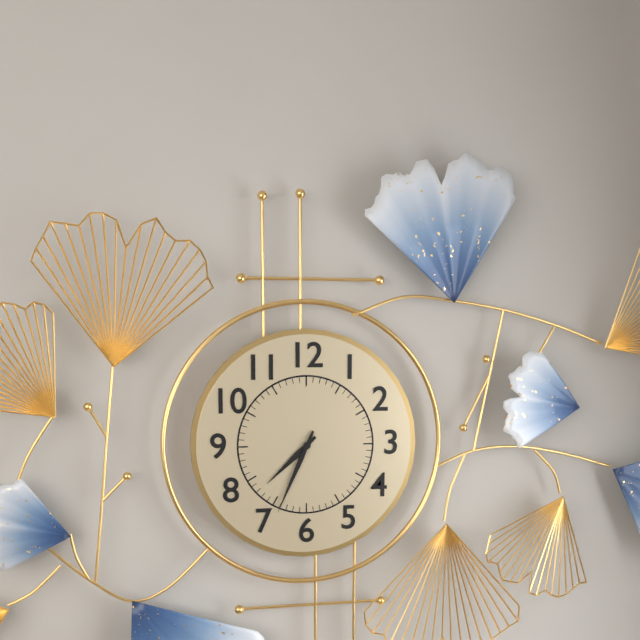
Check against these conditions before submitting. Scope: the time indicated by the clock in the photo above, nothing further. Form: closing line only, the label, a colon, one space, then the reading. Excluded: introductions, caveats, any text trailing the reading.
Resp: 7:34
